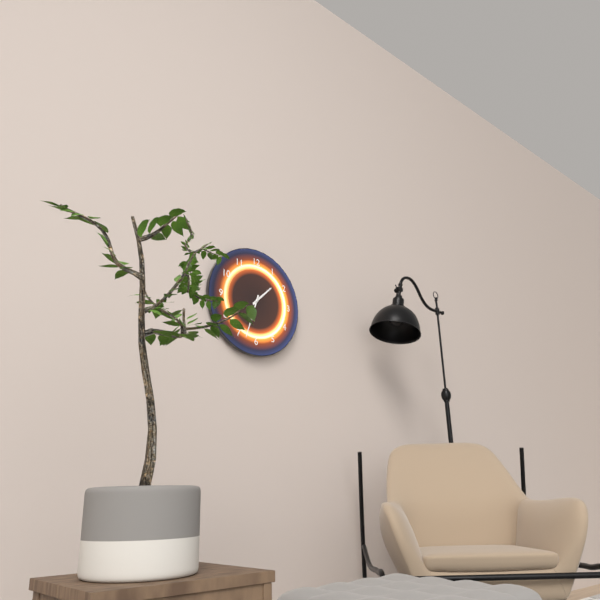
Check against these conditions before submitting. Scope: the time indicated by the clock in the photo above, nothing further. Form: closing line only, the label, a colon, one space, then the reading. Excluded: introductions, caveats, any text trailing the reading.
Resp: 1:33
